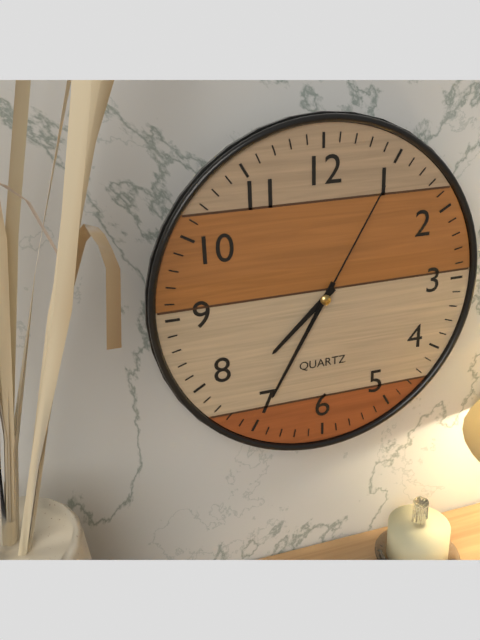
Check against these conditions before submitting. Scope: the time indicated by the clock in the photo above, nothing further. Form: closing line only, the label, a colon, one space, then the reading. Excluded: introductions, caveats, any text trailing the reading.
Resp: 7:35:05
